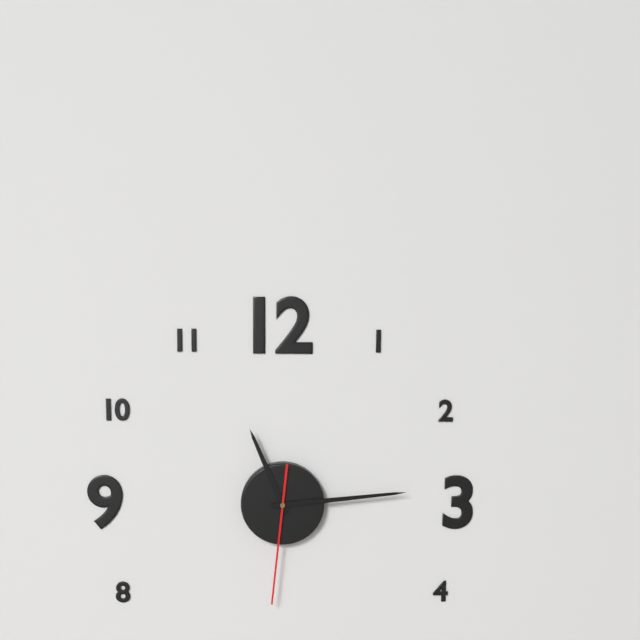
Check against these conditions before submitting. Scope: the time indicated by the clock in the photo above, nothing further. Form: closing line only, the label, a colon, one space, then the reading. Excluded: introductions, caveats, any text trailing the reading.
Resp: 11:14:31
